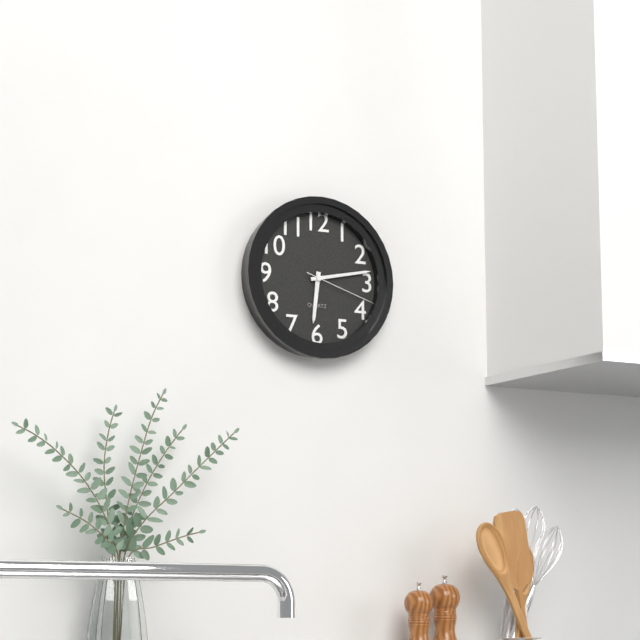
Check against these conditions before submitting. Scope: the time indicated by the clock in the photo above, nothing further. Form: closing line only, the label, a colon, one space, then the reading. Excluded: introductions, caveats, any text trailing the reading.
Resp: 6:13:18
